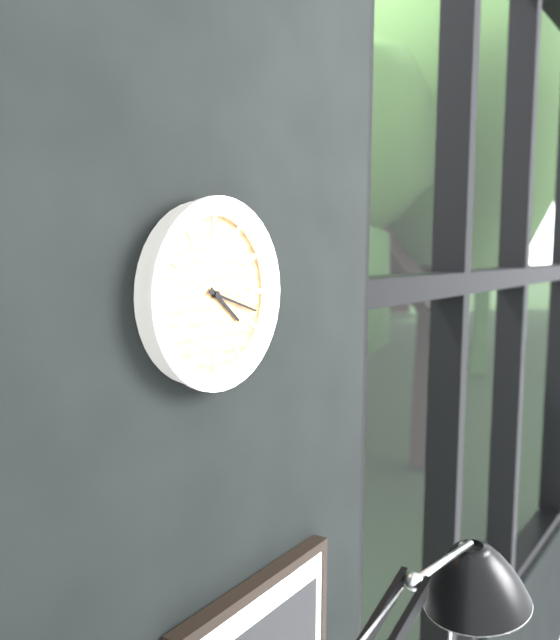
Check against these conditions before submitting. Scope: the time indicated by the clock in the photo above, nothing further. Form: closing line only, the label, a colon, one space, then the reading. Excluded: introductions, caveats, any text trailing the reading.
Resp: 4:18
